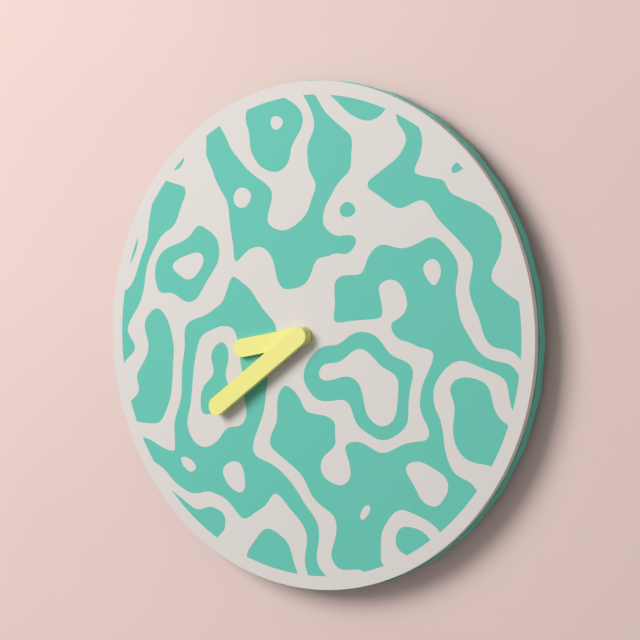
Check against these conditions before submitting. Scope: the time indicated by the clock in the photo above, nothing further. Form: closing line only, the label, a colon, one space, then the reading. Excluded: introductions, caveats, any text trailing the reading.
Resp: 8:39
